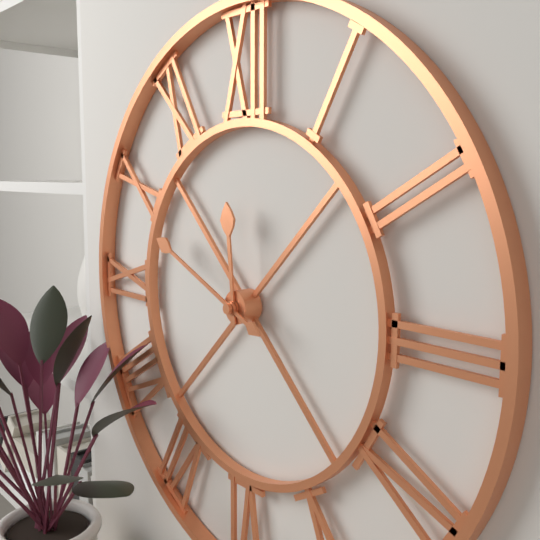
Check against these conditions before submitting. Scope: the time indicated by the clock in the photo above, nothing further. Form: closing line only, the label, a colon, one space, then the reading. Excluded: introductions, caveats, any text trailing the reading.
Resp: 11:49
